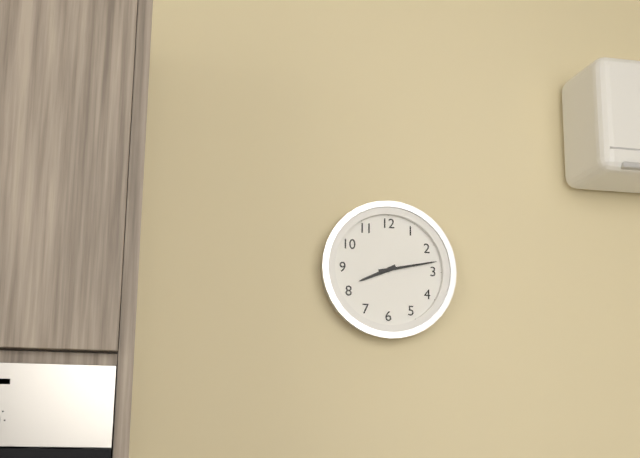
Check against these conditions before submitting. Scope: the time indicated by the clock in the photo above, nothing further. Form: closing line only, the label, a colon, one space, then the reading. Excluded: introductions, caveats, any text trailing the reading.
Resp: 8:13
